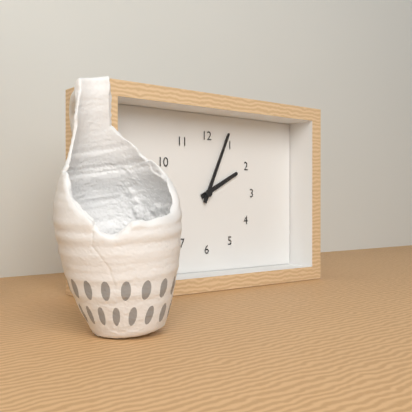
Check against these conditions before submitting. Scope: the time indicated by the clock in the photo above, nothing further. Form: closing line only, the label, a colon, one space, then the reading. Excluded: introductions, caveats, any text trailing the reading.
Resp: 2:04
